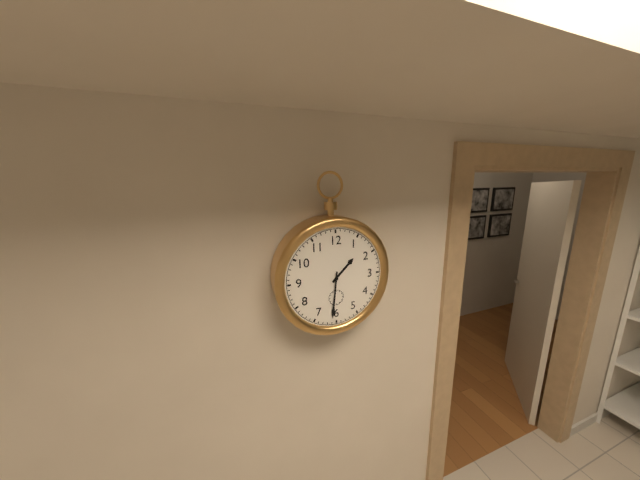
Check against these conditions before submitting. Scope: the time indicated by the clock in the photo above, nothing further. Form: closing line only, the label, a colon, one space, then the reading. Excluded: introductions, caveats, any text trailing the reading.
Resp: 1:31
